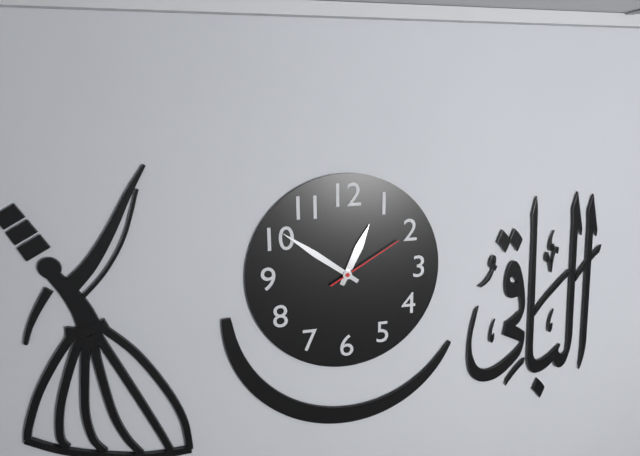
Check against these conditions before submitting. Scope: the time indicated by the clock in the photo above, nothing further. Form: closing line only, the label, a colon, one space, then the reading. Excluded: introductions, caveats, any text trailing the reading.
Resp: 12:51:10
